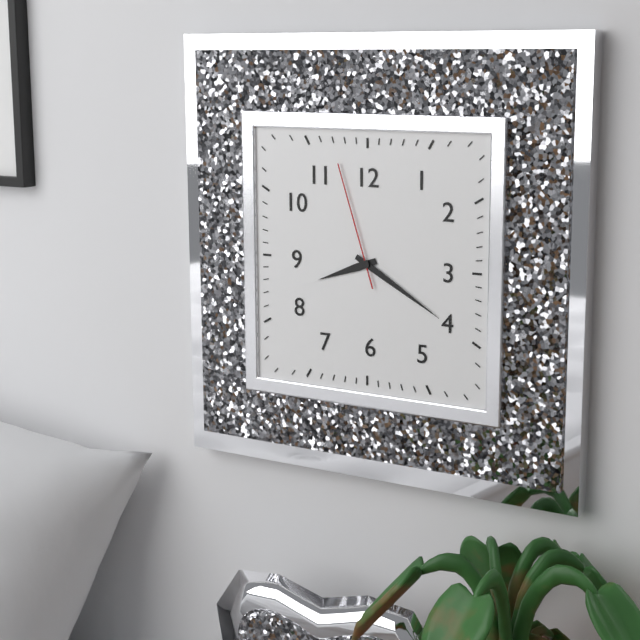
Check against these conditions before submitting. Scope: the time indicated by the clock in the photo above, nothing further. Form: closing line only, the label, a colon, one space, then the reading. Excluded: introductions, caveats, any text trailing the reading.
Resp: 8:20:57
